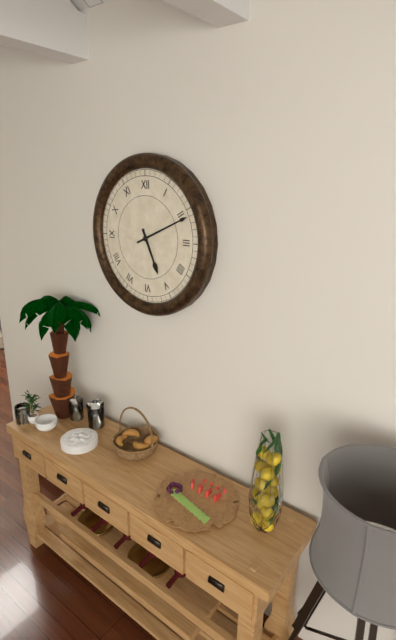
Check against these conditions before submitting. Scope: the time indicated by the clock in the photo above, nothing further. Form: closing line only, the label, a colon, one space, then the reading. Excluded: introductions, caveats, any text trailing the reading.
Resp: 5:11
